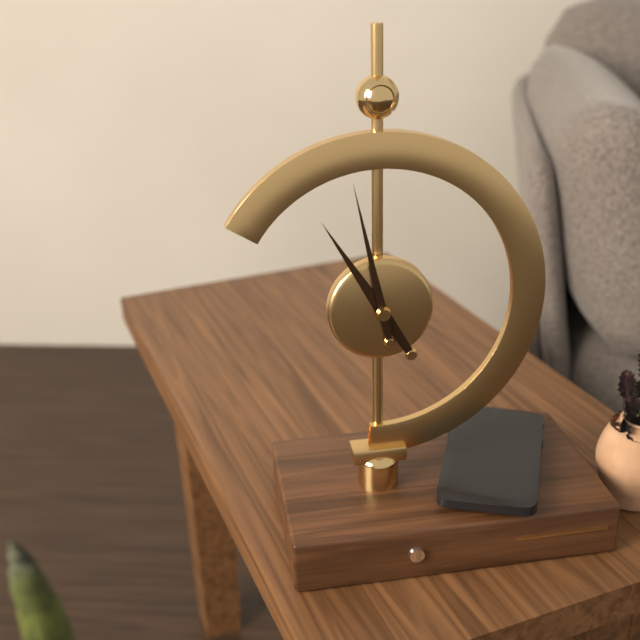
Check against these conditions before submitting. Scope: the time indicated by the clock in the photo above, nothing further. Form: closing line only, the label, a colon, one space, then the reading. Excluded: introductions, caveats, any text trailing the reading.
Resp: 10:58
